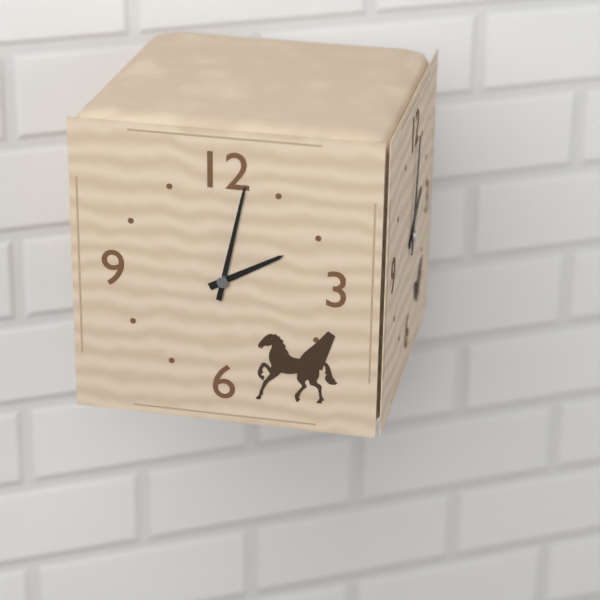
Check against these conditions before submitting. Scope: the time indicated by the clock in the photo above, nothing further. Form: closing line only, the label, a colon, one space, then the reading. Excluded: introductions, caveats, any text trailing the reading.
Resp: 2:02
